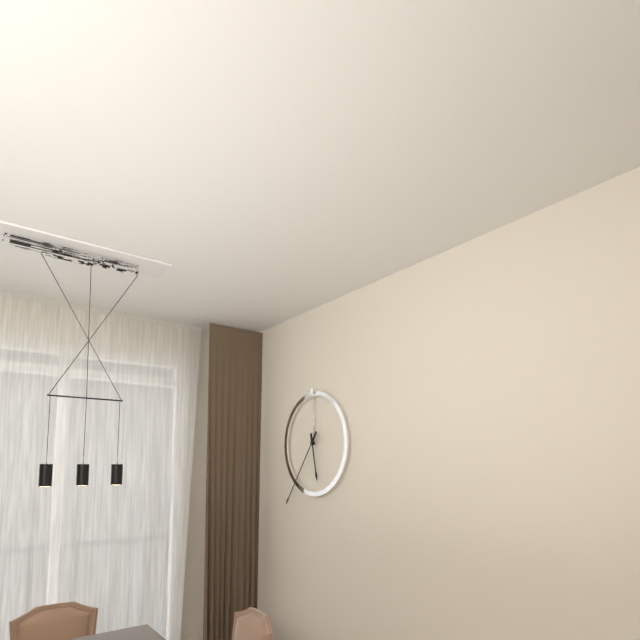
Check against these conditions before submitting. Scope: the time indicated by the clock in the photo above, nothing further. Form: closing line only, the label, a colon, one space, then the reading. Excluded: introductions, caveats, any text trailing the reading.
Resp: 5:36
